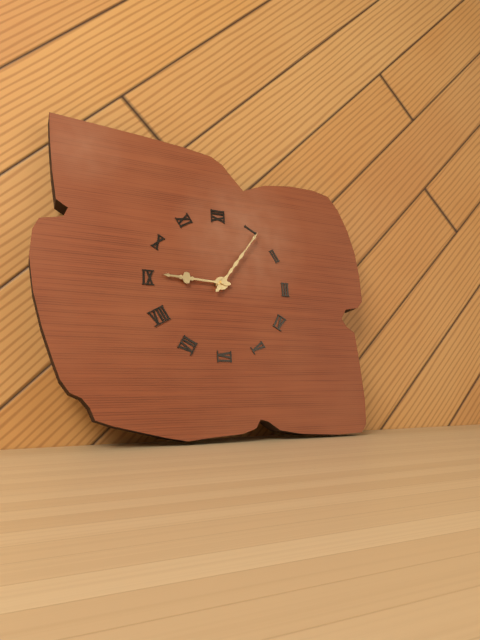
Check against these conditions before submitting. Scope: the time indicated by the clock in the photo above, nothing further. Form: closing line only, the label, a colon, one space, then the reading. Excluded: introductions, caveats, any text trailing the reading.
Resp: 9:06
